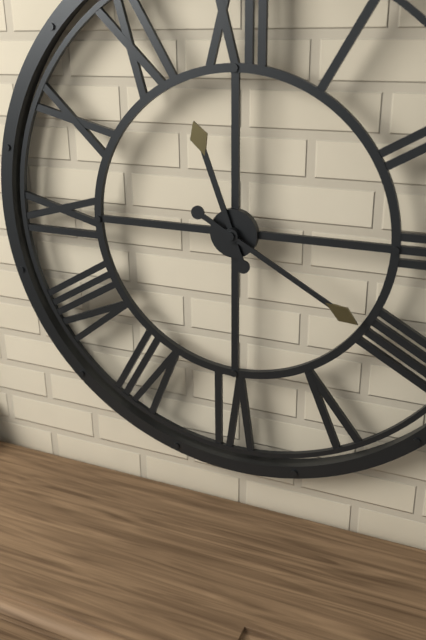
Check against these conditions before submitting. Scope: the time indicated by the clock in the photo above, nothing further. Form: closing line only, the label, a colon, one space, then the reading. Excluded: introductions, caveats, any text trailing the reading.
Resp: 11:20
